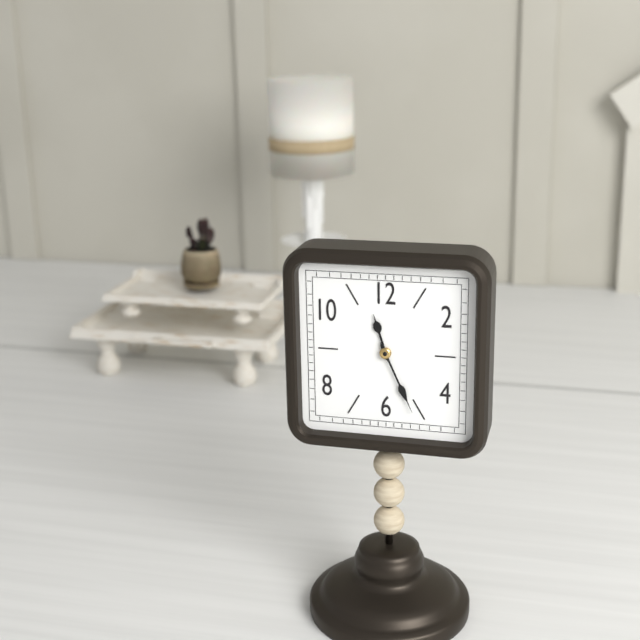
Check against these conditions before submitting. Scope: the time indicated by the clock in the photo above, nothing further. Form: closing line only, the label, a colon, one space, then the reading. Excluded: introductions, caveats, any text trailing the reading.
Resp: 11:26
